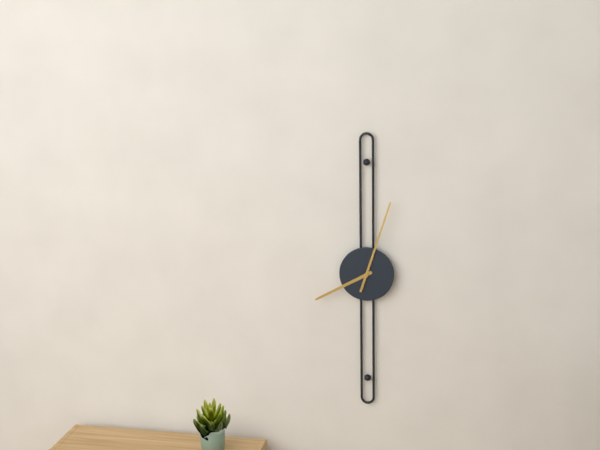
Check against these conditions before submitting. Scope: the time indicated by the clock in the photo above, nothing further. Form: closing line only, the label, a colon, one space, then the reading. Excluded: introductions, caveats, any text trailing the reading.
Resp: 8:03
